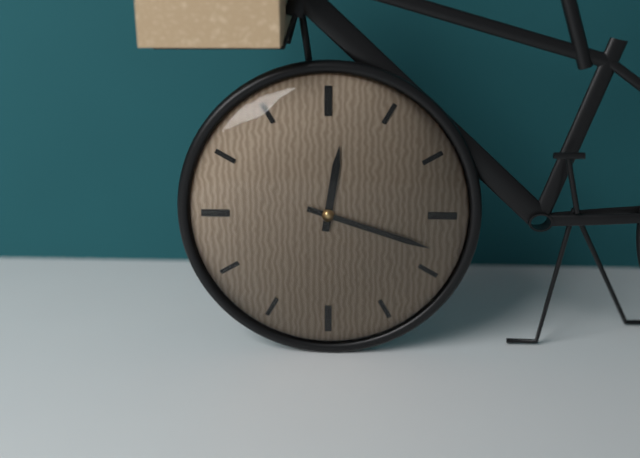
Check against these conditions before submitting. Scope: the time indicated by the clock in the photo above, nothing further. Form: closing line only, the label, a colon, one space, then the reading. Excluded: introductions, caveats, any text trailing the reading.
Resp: 12:18
